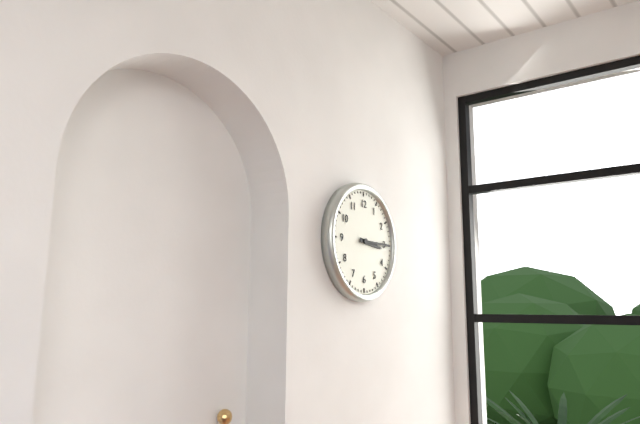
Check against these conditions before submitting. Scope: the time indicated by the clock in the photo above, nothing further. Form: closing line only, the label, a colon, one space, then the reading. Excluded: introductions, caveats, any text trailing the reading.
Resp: 3:15
